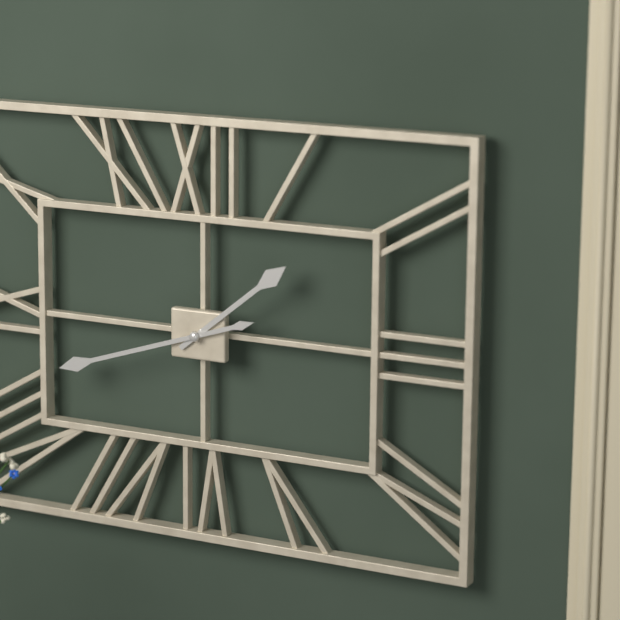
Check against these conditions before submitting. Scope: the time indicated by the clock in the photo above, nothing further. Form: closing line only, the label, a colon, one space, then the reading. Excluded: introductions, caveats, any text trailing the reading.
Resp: 1:42
